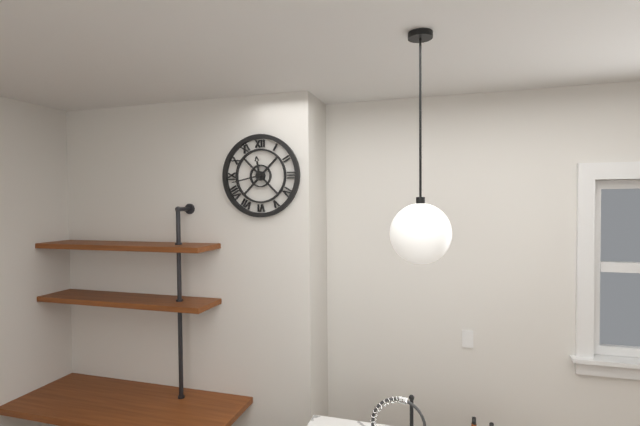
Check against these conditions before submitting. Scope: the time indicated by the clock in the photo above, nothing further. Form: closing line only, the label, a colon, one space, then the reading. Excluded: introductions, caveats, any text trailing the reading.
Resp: 11:43
